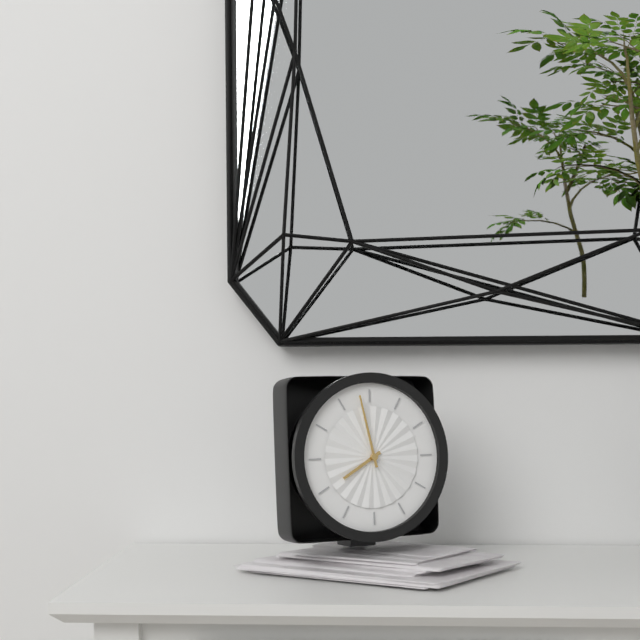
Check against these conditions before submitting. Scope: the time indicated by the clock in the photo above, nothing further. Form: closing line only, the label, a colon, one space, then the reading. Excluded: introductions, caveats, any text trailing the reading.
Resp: 7:58
